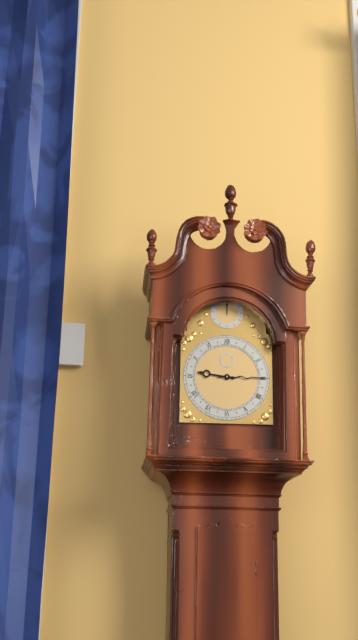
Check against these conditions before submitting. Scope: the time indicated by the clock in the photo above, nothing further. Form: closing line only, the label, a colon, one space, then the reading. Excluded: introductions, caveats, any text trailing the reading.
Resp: 9:15
